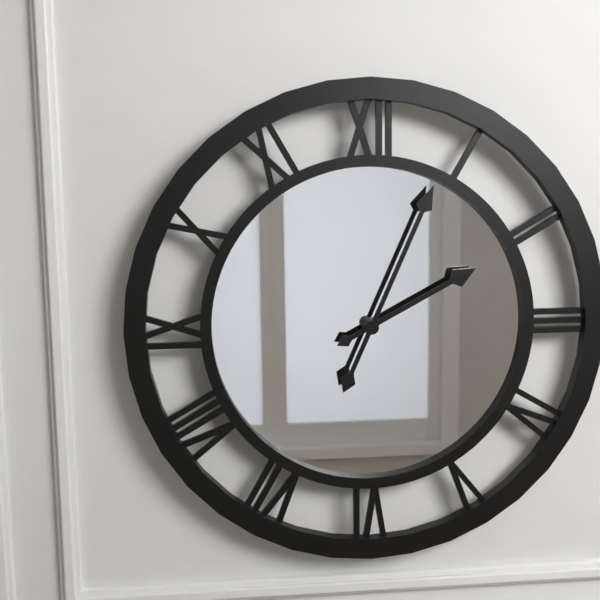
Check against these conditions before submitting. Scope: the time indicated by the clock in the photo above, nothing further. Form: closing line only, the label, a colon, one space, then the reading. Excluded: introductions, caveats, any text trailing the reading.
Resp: 2:04
